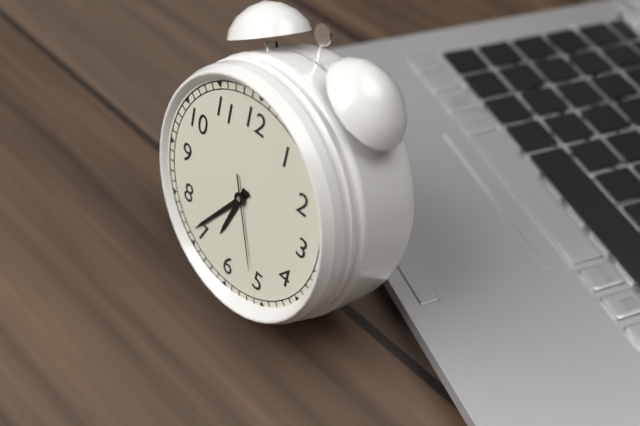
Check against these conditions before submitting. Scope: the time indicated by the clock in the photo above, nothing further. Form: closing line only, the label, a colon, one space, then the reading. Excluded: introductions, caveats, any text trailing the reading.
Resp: 6:36:26
